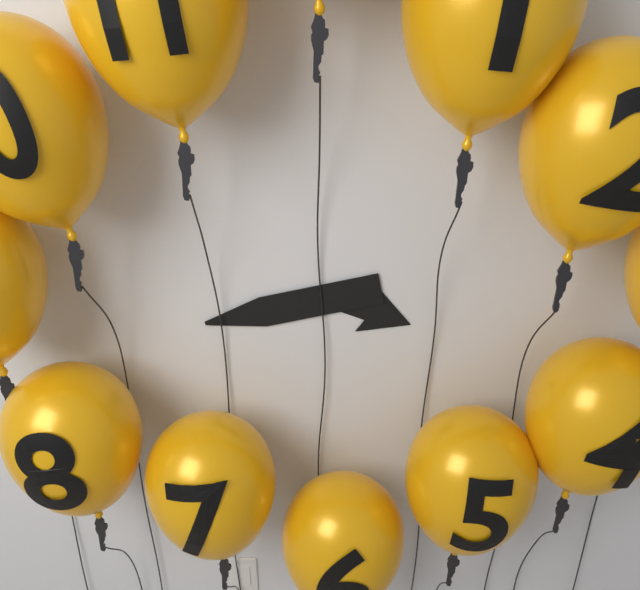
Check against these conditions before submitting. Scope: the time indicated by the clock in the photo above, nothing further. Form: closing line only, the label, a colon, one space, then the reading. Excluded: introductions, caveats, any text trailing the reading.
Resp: 3:43
